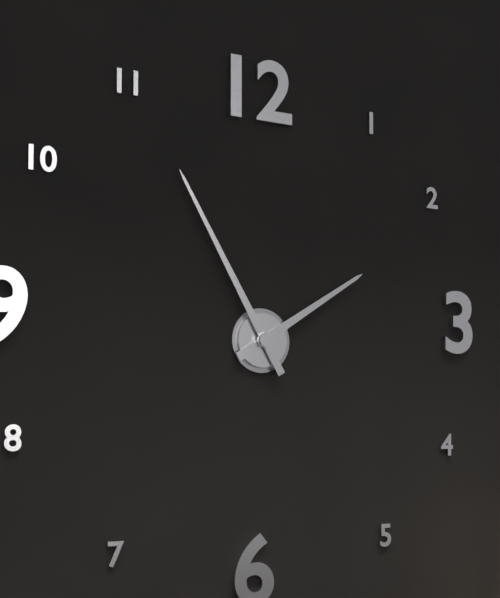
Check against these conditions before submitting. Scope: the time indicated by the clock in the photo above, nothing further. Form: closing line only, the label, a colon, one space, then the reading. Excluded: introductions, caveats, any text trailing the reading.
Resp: 1:55
